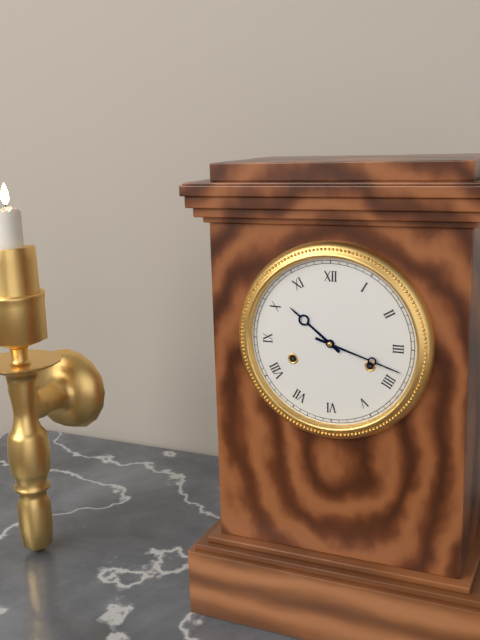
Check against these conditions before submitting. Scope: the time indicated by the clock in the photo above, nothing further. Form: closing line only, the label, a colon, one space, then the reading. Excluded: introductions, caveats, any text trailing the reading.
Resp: 10:18
